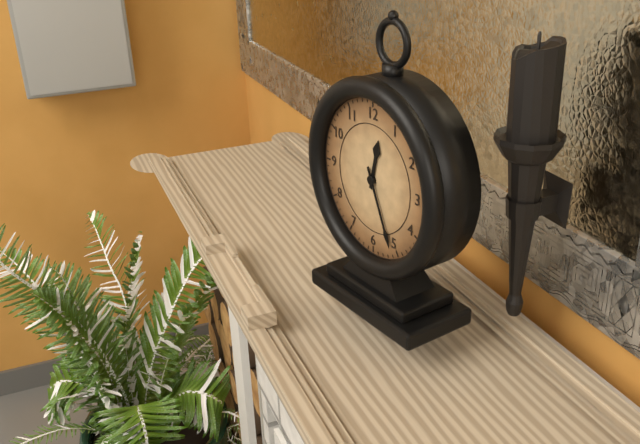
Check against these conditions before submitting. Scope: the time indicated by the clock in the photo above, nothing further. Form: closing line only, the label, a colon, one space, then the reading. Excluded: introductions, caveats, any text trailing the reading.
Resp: 12:26
